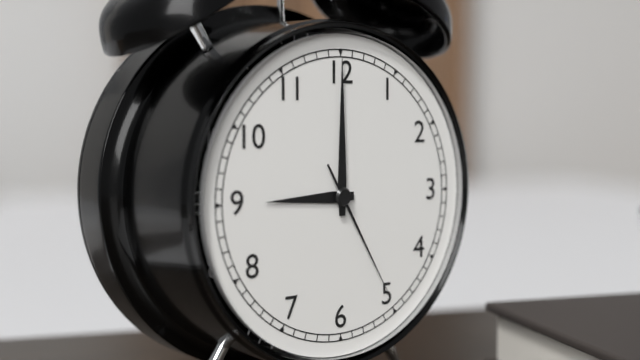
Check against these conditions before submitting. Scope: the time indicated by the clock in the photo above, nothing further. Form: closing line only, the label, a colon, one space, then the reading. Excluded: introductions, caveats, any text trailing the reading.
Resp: 9:00:25
